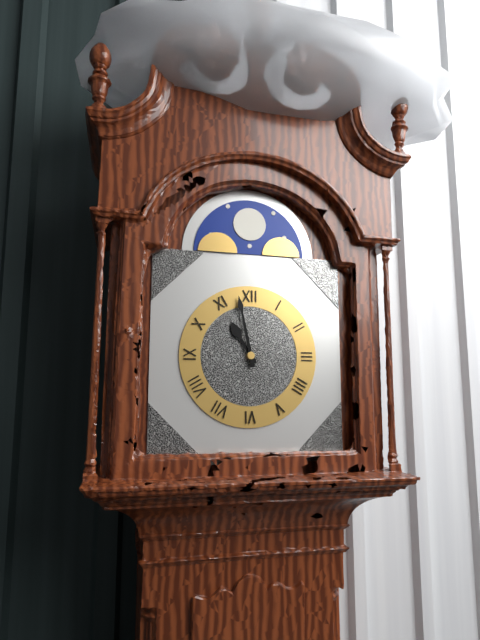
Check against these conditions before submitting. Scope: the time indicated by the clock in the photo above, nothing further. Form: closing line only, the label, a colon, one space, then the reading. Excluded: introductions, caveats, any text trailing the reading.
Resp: 10:58
